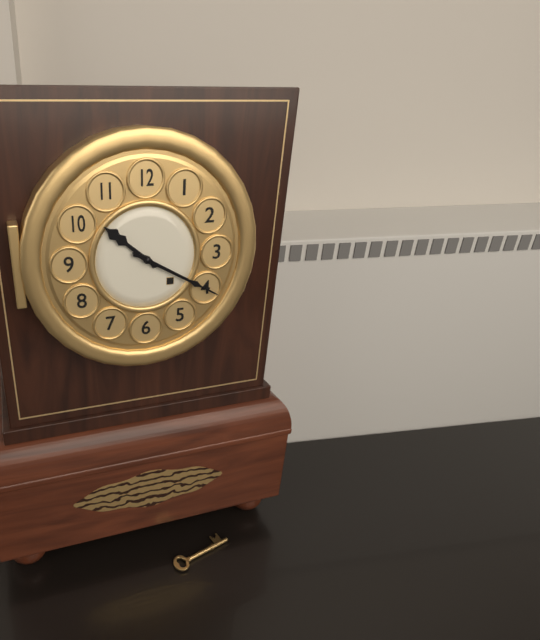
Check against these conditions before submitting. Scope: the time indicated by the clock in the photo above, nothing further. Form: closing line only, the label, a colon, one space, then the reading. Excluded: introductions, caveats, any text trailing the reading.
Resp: 10:20
